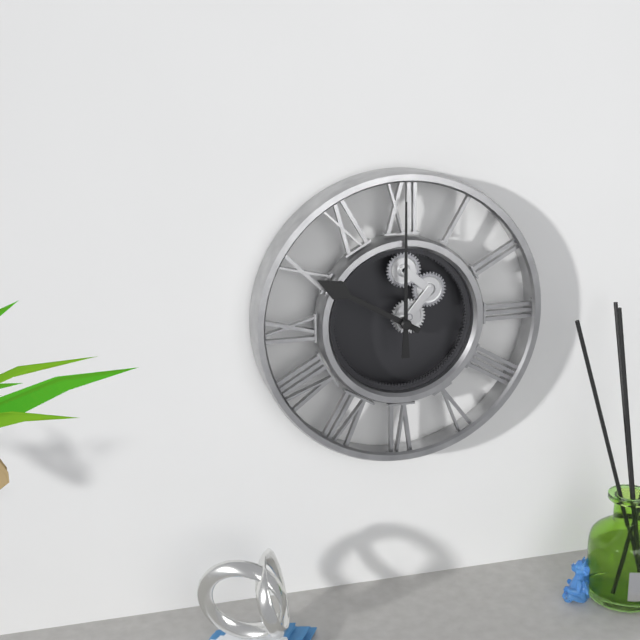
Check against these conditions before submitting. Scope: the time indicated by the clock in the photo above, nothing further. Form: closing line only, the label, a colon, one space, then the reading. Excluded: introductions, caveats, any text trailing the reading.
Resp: 10:00
